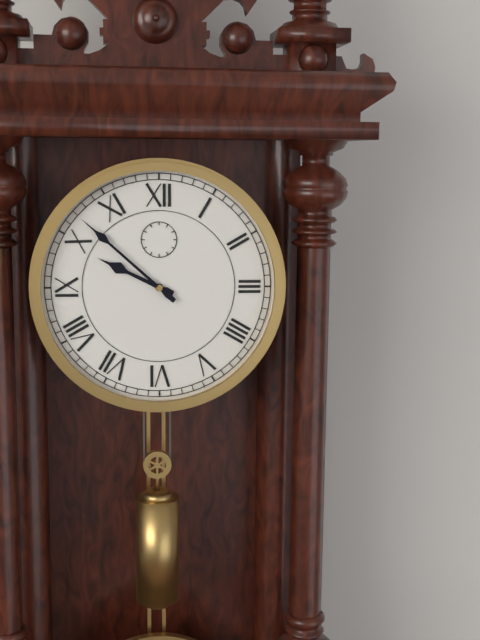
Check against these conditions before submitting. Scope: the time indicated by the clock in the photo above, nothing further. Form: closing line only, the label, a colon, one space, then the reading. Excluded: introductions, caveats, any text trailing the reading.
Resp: 9:52
